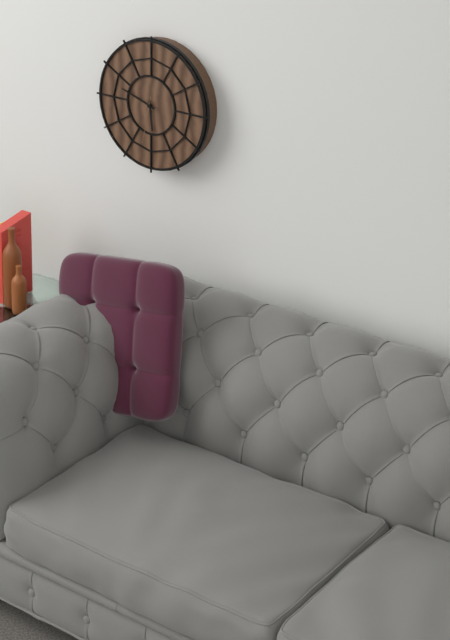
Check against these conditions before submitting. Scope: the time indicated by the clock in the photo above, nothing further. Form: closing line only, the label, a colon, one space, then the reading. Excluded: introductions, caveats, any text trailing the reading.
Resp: 5:48
